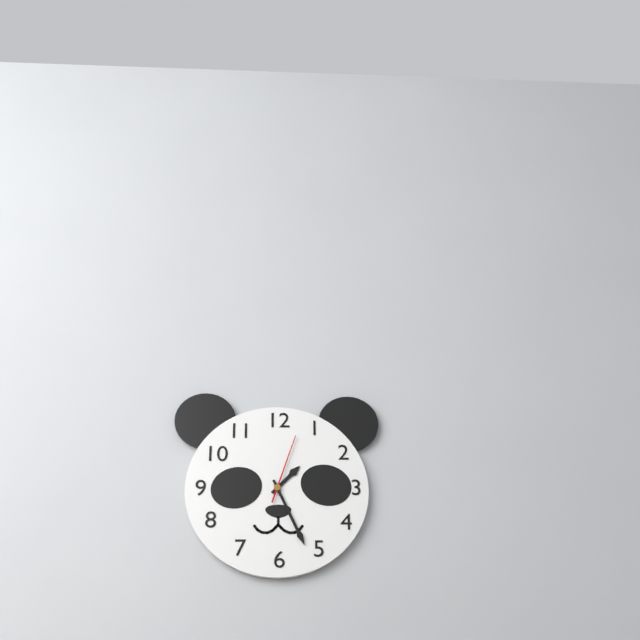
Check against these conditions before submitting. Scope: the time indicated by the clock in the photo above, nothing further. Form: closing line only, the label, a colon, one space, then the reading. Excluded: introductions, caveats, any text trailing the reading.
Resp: 1:26:03
